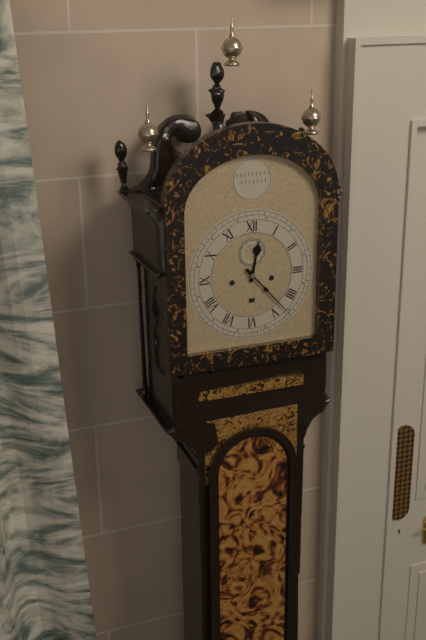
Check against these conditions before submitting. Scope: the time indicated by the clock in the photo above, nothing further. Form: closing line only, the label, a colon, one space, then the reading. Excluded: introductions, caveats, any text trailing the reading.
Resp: 12:23
